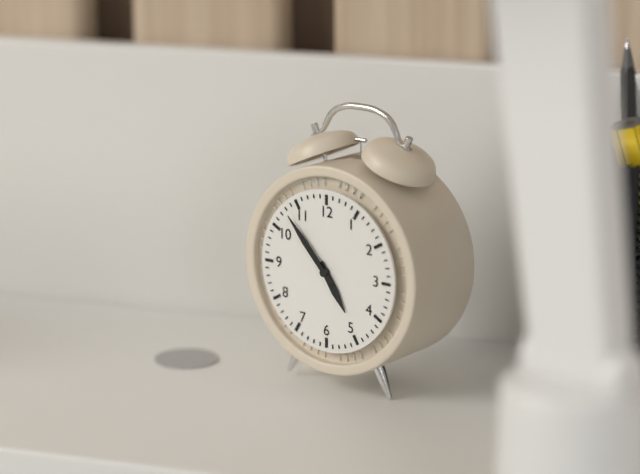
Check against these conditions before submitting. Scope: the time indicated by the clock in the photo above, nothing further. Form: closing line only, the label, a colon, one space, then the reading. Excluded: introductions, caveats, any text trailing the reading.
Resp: 4:53
